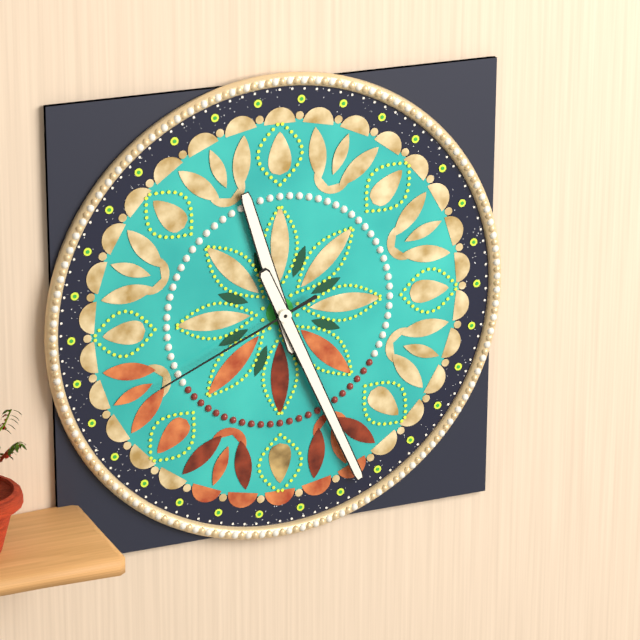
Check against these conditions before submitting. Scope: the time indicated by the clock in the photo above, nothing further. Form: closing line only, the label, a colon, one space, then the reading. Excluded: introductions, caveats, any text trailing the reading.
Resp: 11:26:41
